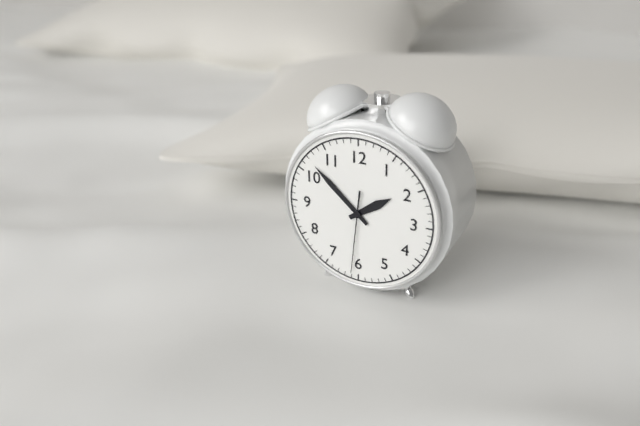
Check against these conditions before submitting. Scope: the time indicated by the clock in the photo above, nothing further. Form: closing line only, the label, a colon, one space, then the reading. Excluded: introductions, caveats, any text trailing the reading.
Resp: 1:52:31
